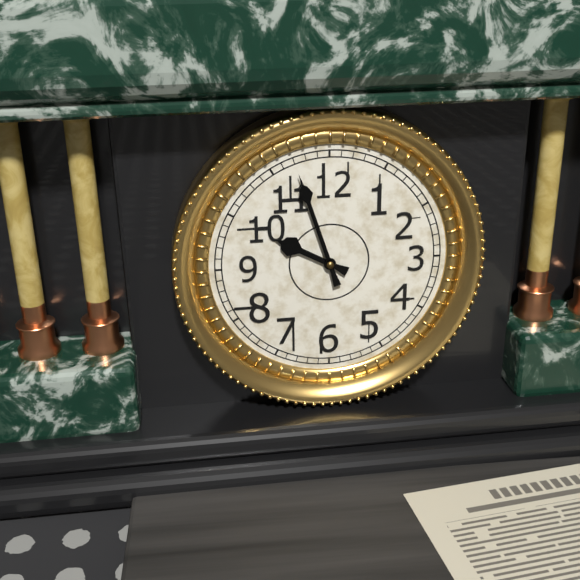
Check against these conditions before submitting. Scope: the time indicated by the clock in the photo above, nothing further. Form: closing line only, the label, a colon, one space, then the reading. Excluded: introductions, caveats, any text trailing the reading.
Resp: 9:57
